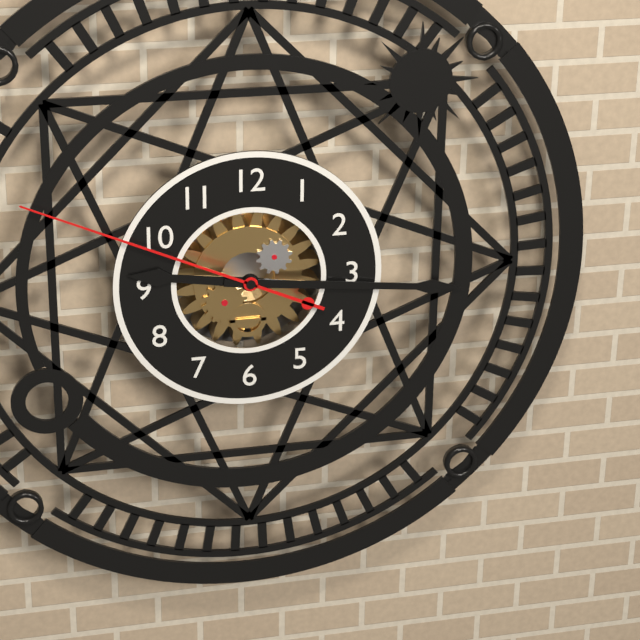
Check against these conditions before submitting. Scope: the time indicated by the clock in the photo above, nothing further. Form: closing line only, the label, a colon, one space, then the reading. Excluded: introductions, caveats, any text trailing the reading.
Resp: 9:16:49
